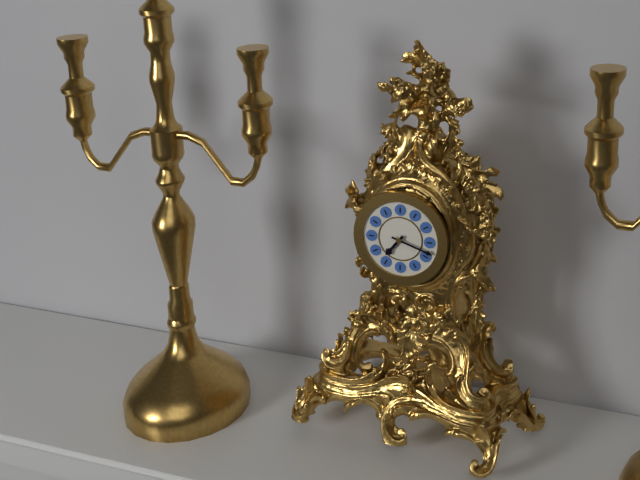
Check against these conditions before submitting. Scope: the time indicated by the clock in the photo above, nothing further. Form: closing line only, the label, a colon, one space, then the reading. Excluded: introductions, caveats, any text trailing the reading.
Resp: 7:18
